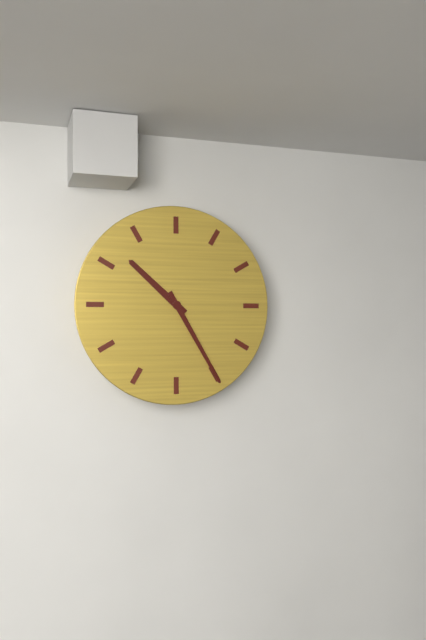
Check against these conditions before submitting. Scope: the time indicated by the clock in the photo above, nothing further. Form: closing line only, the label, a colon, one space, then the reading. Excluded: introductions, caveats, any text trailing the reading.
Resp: 10:25
